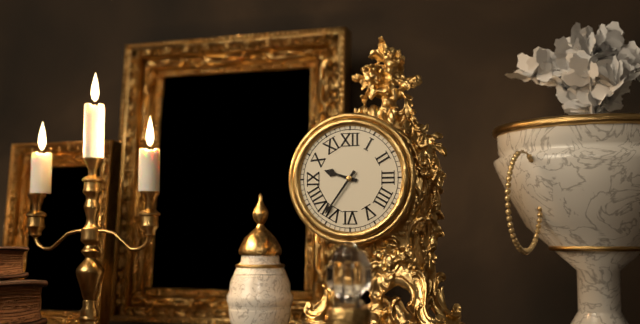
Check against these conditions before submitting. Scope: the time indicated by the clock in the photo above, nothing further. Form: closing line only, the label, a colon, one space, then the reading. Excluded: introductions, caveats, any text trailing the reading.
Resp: 9:36
